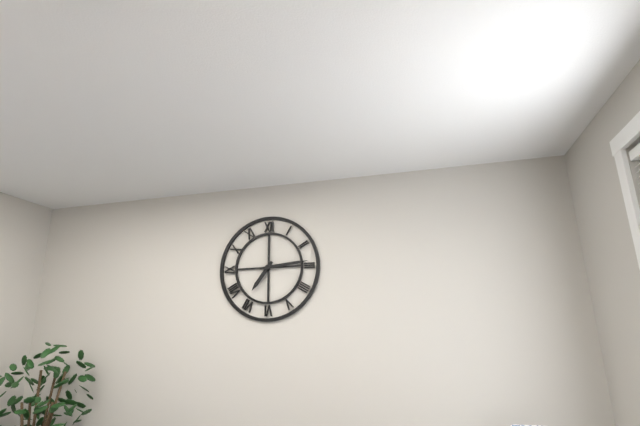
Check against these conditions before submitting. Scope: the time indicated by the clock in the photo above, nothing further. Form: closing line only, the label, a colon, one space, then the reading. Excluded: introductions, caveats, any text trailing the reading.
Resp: 7:14
